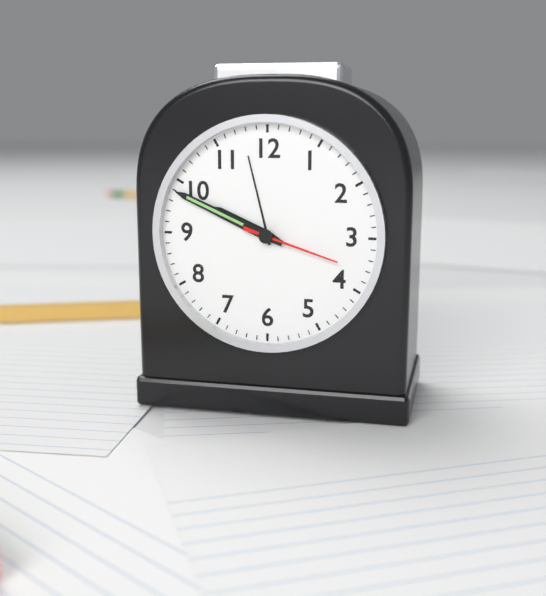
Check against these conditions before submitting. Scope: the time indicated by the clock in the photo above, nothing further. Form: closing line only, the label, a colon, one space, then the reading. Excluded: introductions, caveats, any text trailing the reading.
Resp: 9:49:18
